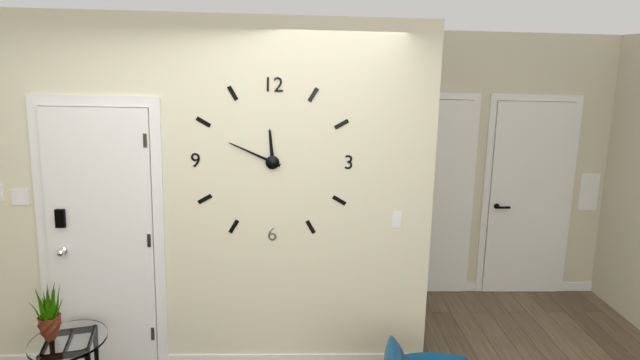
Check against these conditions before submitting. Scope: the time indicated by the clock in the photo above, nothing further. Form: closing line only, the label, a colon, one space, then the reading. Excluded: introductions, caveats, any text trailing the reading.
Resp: 11:49
